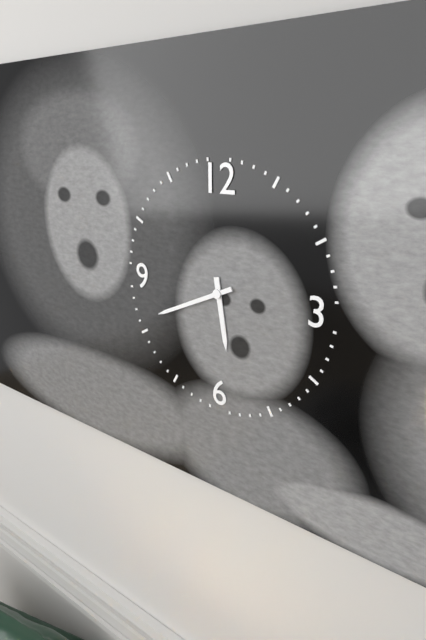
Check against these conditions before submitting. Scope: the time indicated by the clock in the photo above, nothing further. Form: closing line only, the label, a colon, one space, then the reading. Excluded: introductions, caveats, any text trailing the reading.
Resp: 5:41
